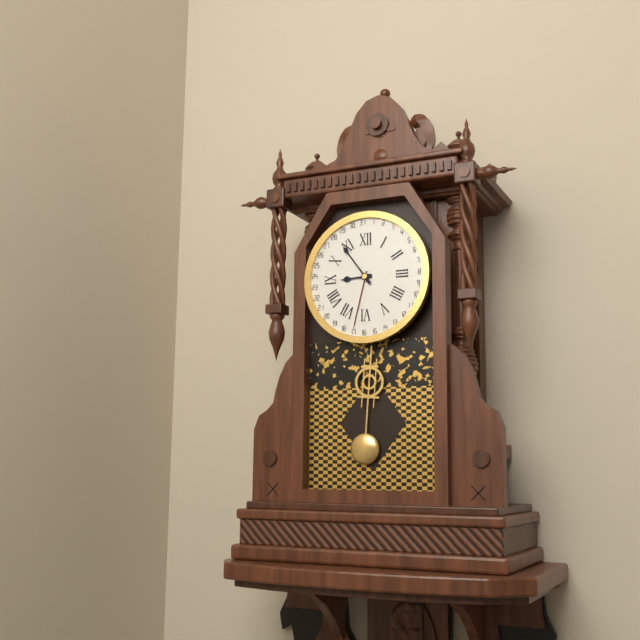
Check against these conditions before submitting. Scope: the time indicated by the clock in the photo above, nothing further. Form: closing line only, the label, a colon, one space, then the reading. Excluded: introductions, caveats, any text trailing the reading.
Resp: 8:54
